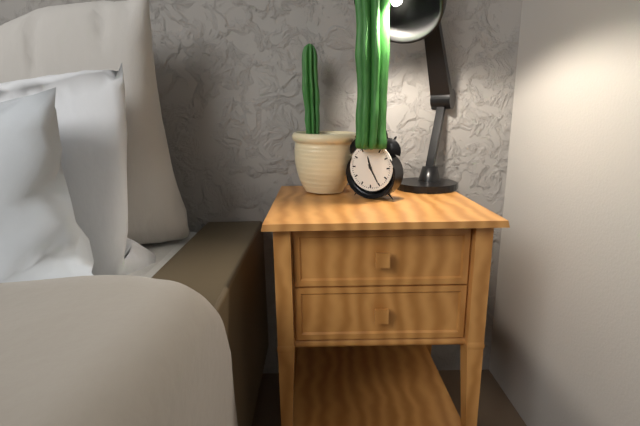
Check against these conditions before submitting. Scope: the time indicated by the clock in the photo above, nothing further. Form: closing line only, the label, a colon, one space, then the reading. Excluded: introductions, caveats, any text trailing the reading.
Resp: 11:25
